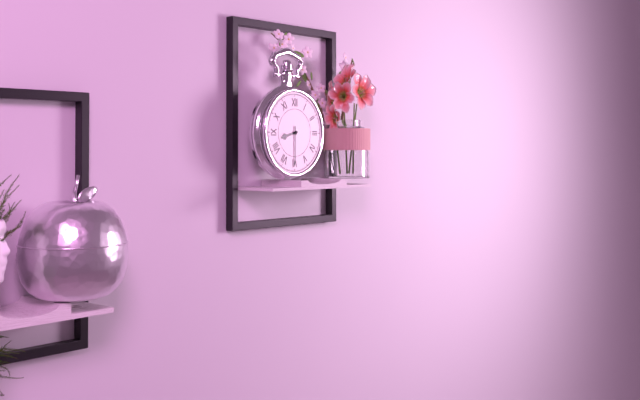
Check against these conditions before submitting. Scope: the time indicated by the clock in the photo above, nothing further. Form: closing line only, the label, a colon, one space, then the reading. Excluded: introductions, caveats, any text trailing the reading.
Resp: 8:30
